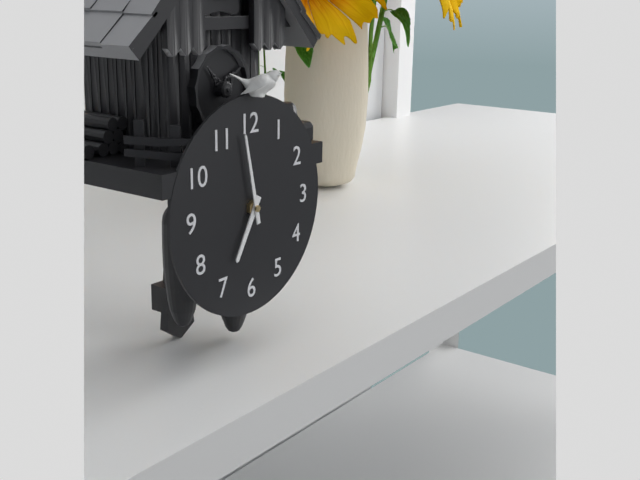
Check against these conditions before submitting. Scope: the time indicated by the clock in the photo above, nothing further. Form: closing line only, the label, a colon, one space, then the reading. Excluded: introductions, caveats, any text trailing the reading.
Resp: 6:58
